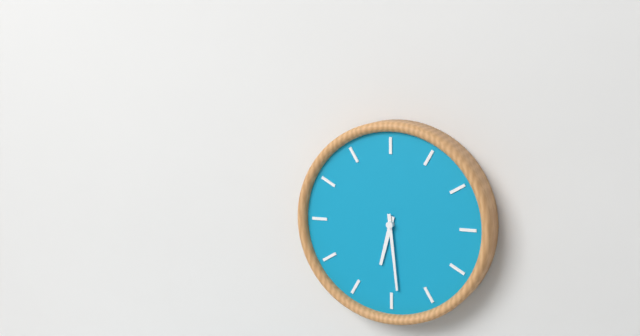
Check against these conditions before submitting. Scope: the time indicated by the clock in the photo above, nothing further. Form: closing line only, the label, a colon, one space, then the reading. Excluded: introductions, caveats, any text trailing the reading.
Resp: 6:29
